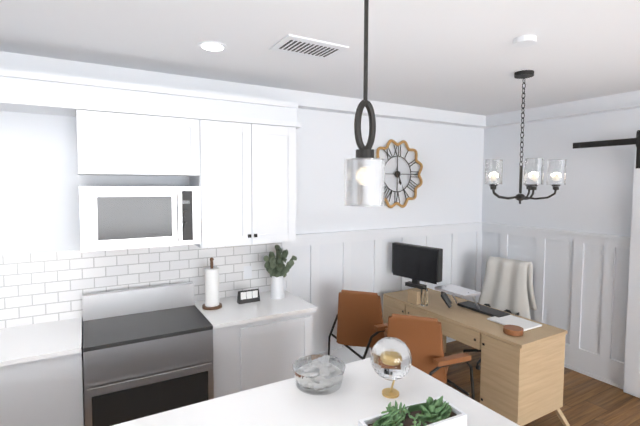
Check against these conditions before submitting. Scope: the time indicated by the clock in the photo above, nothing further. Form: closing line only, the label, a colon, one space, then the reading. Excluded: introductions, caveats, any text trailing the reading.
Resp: 5:26
